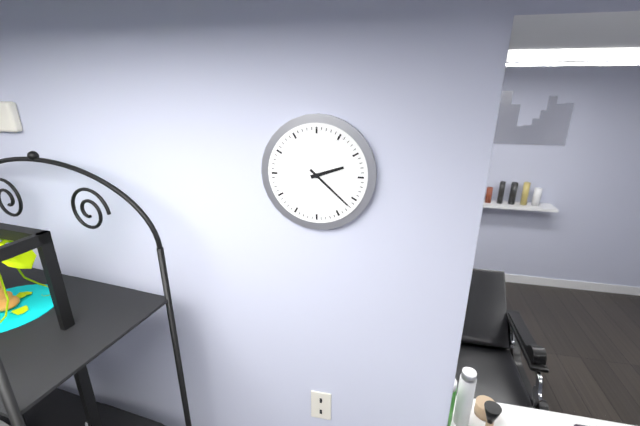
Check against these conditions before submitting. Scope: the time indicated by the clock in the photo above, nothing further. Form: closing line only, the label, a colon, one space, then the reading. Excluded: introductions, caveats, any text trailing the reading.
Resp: 2:22
